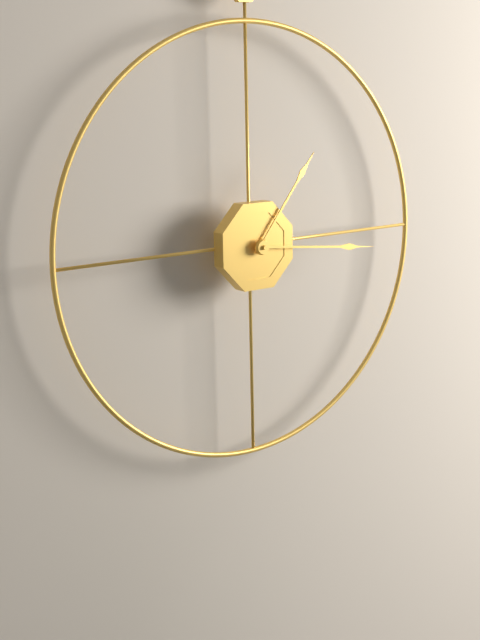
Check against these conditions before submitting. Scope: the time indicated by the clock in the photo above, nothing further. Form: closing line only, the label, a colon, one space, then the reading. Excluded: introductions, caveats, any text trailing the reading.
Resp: 1:16
